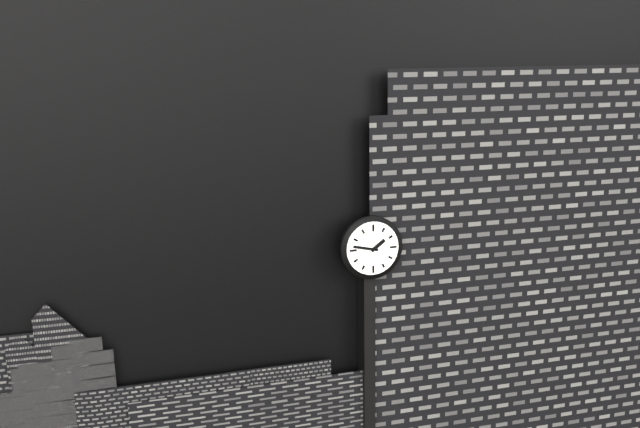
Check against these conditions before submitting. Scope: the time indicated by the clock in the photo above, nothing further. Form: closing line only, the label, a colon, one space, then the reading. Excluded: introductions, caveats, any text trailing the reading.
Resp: 1:47
